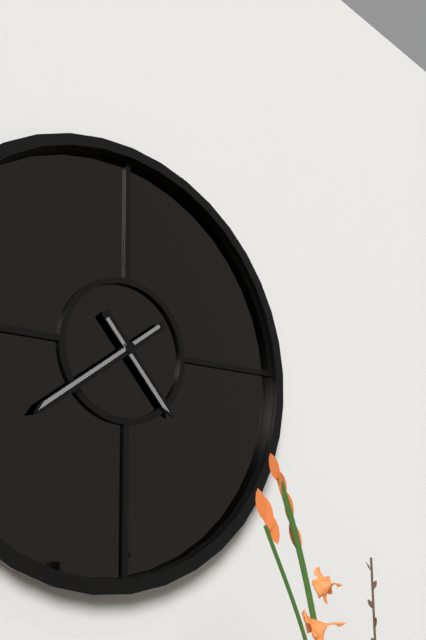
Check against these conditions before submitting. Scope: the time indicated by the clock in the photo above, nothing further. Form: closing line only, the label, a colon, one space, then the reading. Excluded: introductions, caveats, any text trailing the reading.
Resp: 4:39
